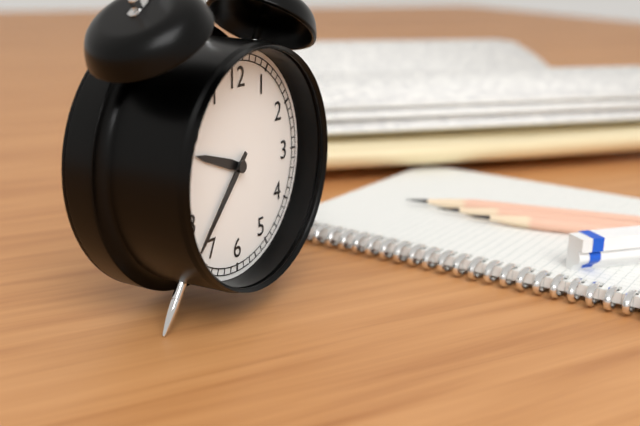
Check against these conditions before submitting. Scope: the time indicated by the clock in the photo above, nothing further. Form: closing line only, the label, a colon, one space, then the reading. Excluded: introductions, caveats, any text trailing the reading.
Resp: 9:37
